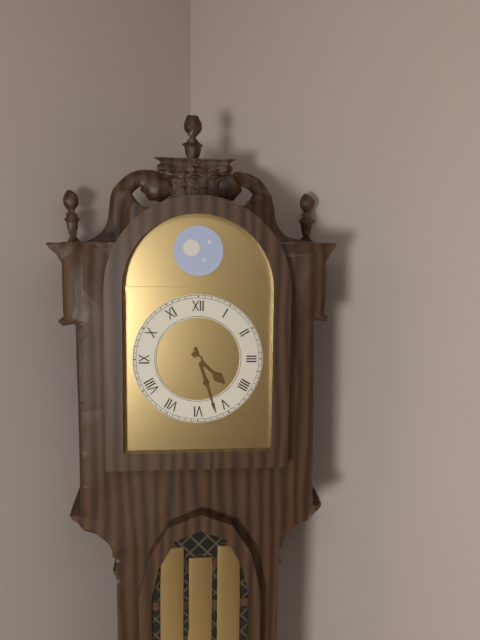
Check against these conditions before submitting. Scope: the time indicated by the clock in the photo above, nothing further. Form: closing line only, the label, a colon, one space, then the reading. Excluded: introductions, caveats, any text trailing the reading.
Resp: 4:27
